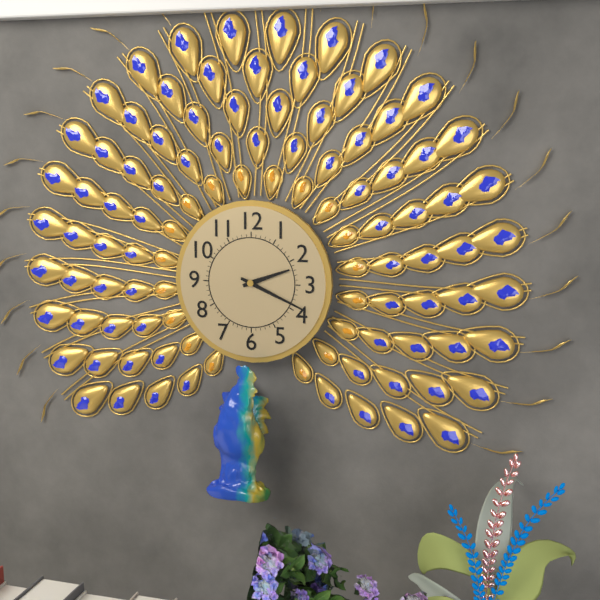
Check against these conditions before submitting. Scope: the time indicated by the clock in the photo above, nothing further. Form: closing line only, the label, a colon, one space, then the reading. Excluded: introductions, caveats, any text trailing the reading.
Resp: 2:19
